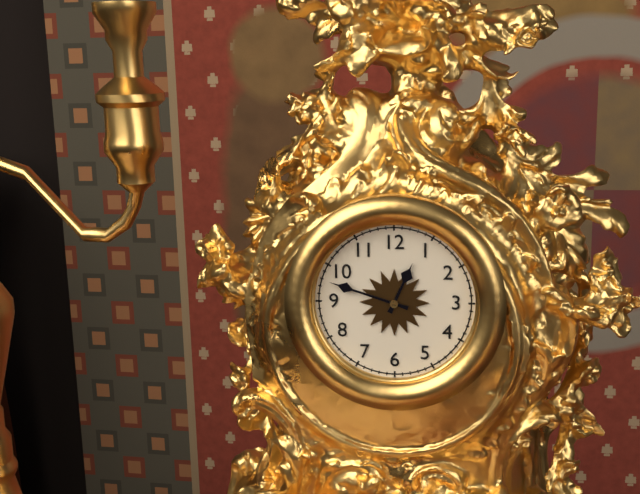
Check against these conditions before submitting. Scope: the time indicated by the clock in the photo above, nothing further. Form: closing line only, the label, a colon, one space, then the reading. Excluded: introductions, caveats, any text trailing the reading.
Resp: 12:48
